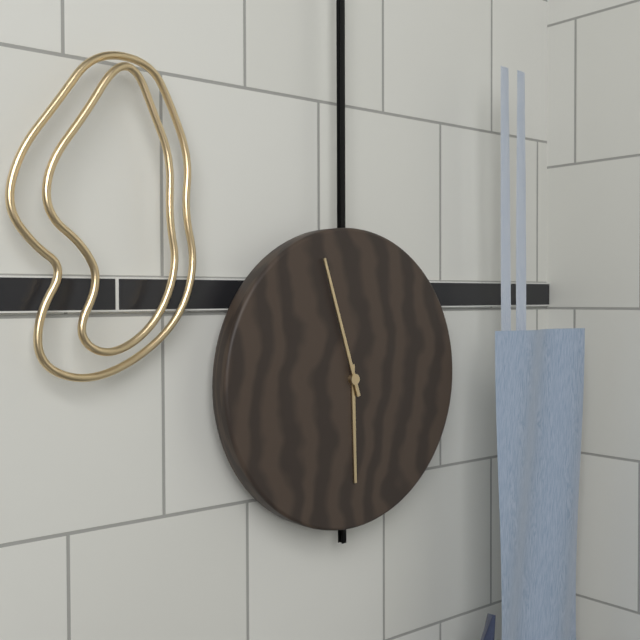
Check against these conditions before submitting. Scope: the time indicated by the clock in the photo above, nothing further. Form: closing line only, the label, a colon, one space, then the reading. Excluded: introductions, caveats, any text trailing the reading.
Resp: 5:57
